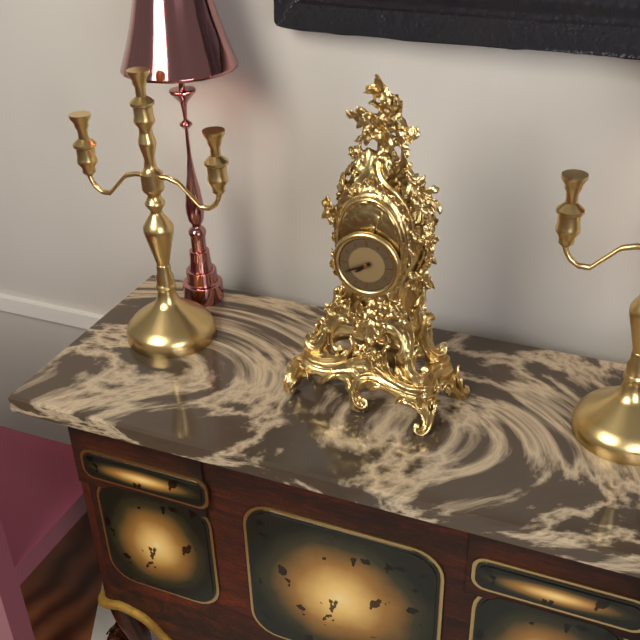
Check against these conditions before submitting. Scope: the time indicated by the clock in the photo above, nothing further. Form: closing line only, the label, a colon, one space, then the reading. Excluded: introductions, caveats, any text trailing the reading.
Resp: 7:41
